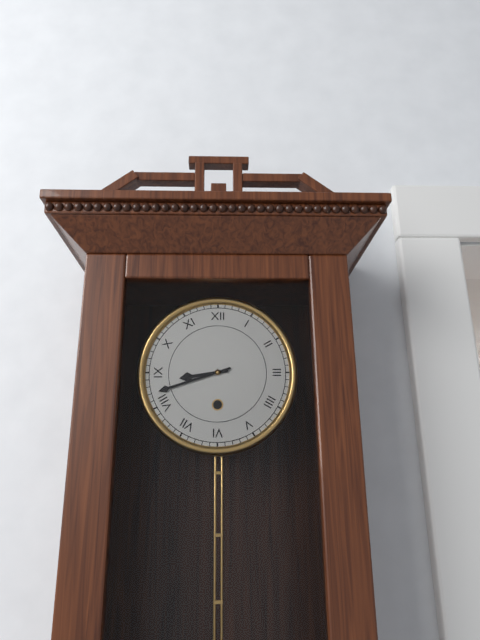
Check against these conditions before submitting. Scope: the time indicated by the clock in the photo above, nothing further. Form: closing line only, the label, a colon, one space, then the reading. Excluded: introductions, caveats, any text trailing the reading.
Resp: 8:42
